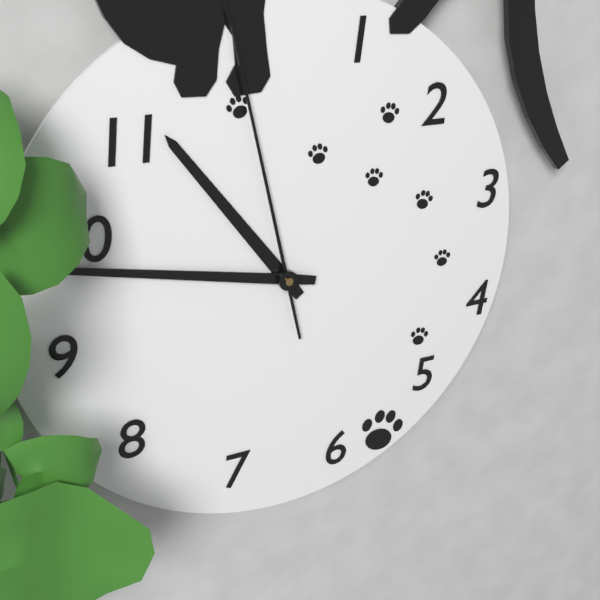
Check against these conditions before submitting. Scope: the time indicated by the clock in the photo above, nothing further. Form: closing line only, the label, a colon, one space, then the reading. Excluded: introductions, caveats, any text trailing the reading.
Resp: 10:47
